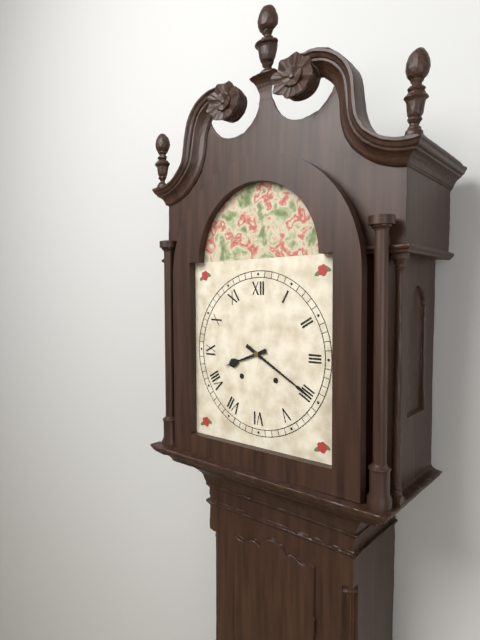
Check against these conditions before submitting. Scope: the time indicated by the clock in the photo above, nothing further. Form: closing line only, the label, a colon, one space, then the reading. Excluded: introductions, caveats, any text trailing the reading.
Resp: 8:20
